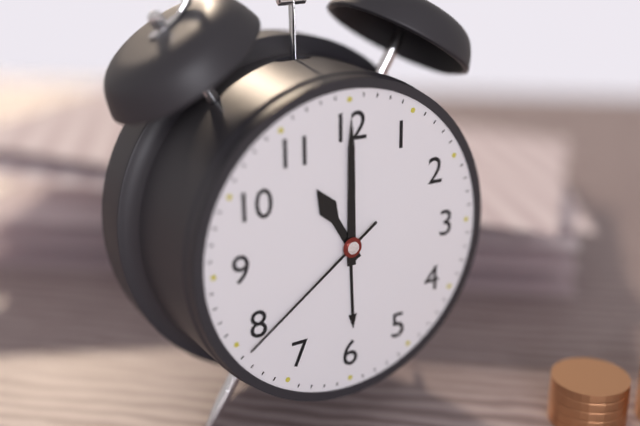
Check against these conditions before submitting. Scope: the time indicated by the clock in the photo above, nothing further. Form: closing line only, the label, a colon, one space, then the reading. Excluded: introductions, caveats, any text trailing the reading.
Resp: 11:00:39
